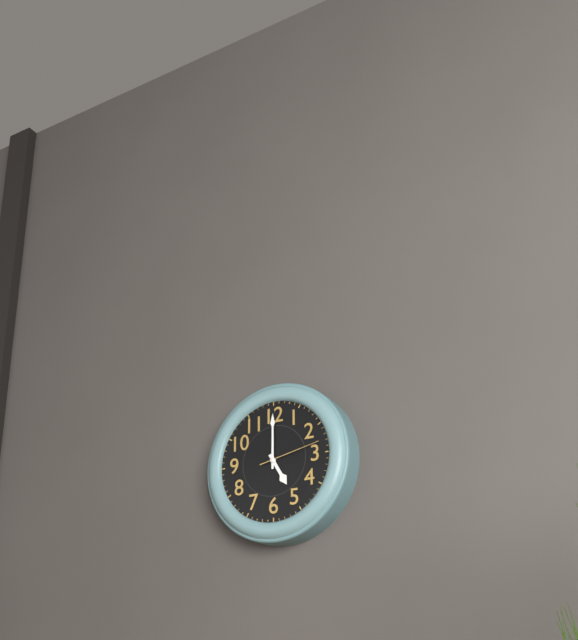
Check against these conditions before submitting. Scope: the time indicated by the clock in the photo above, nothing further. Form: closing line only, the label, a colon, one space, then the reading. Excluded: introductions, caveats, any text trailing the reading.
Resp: 5:00:13
